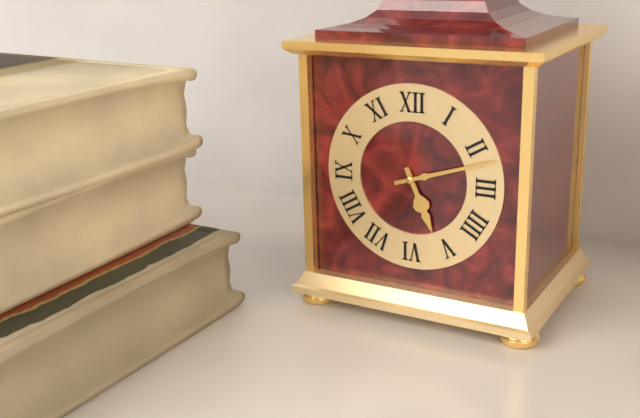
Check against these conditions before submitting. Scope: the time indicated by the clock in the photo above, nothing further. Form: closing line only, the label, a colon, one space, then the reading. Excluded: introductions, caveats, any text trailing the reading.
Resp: 5:12
